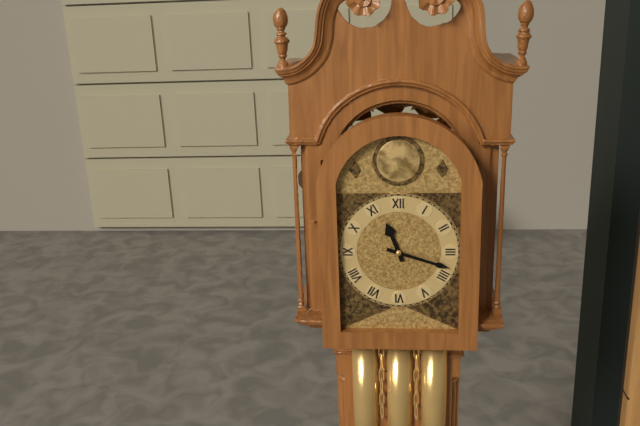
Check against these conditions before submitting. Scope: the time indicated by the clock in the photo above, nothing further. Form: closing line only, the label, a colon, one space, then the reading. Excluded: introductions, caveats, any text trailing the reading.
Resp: 11:18
